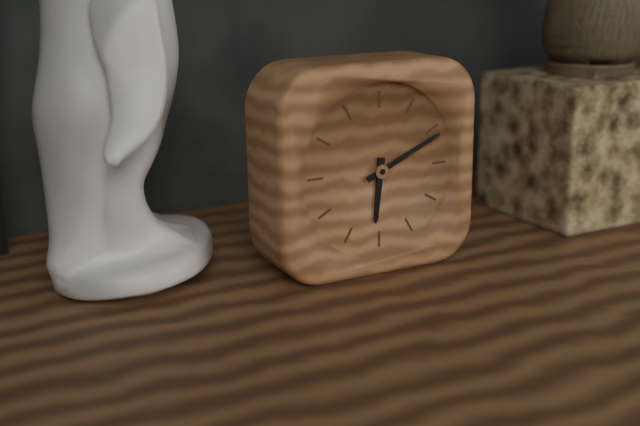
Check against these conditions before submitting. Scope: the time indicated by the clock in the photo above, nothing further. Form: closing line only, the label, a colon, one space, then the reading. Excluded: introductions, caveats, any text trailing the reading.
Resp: 6:11
